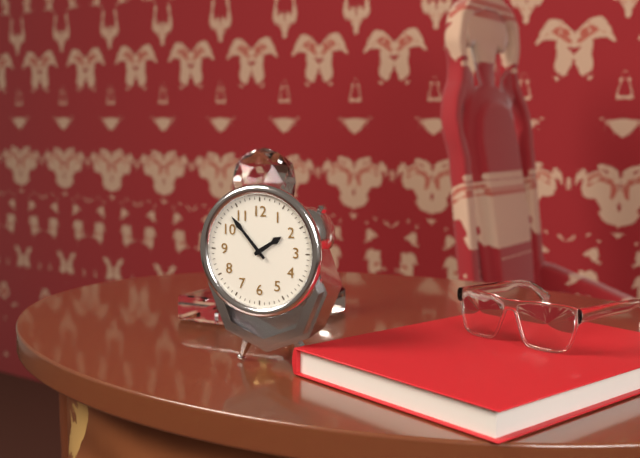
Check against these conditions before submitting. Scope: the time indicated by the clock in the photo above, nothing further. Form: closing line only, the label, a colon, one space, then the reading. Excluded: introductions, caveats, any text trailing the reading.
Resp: 1:53
